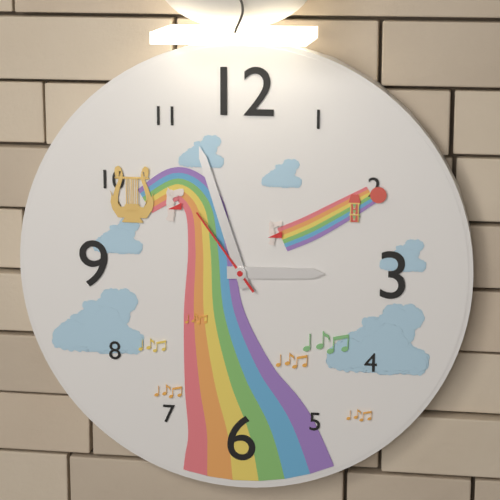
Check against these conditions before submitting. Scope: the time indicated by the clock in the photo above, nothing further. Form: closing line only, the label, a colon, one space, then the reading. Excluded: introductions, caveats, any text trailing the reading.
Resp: 2:57:54
